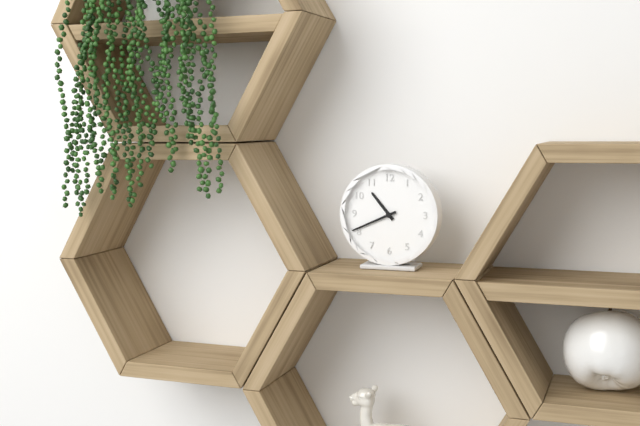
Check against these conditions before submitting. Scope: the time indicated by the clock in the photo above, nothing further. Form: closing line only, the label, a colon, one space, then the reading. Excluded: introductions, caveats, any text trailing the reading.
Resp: 10:41
